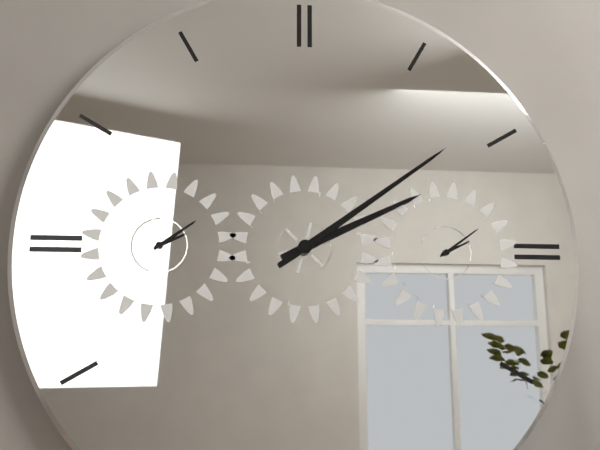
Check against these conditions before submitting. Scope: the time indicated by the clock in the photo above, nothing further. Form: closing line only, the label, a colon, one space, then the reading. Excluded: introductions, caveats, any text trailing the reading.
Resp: 2:09
